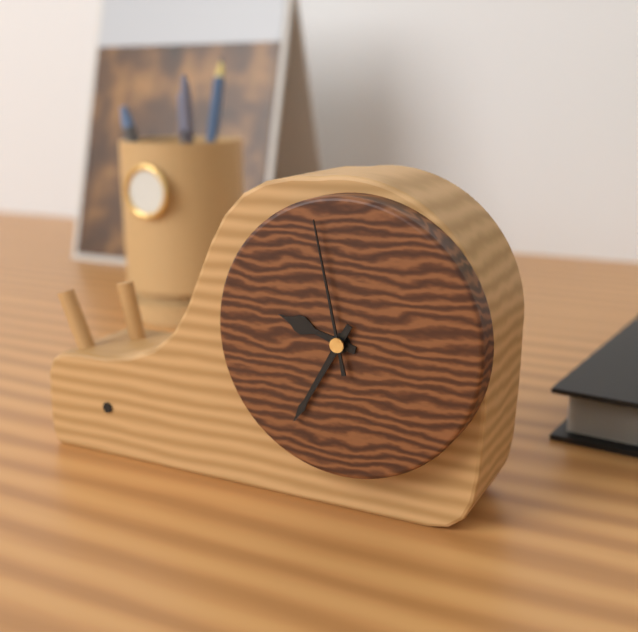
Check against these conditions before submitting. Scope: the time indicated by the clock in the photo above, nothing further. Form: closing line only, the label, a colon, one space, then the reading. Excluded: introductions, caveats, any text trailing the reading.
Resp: 9:35:58
